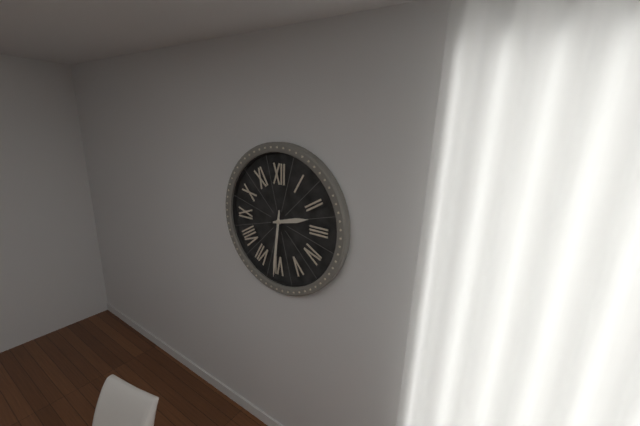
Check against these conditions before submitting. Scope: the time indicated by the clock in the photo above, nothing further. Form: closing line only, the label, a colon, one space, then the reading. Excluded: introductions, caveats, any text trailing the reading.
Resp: 2:31
